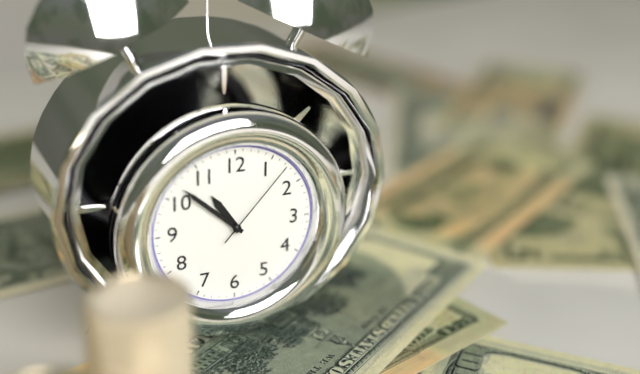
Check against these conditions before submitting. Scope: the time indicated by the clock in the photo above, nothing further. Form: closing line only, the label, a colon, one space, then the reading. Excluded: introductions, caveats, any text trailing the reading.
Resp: 10:52:07
